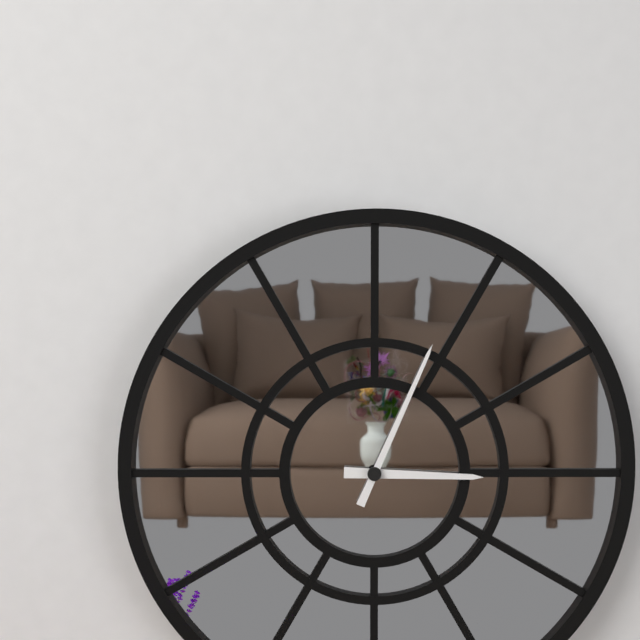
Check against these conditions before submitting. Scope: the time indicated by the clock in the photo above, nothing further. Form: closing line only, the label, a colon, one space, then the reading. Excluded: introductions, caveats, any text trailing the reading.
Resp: 3:04
